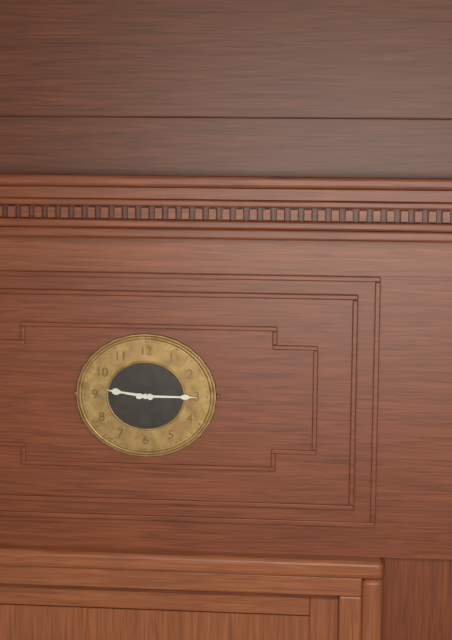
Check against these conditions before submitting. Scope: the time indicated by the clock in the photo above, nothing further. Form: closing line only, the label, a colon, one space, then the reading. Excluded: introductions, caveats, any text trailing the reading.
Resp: 9:15
